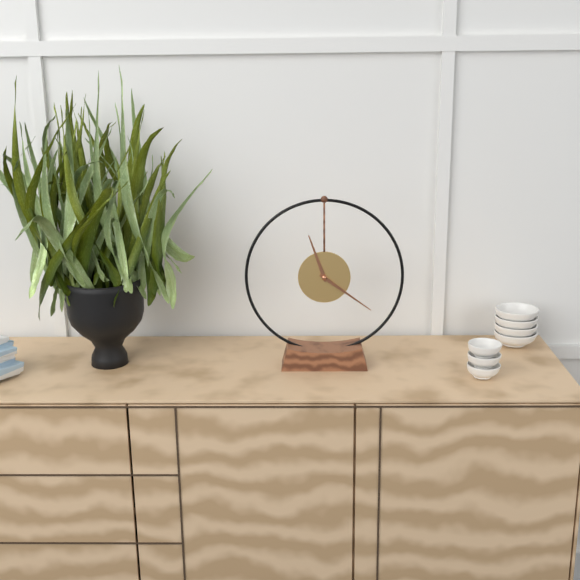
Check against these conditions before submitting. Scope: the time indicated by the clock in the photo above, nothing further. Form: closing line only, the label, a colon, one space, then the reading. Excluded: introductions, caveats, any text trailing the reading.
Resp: 11:21
